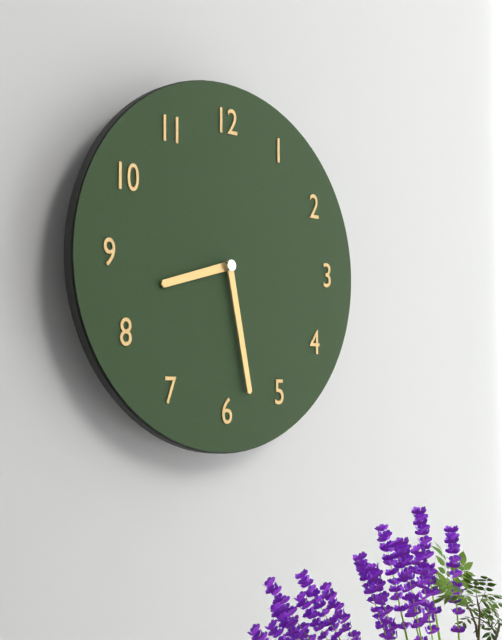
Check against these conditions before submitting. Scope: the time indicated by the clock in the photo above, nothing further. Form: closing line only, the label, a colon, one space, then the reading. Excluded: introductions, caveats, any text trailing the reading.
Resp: 8:28
